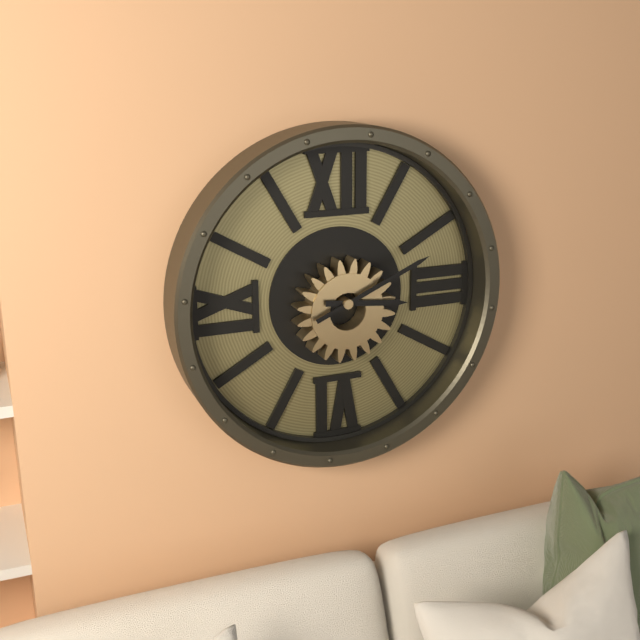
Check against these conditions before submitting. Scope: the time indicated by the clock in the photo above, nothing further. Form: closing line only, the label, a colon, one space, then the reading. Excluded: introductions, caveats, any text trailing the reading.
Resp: 3:11
